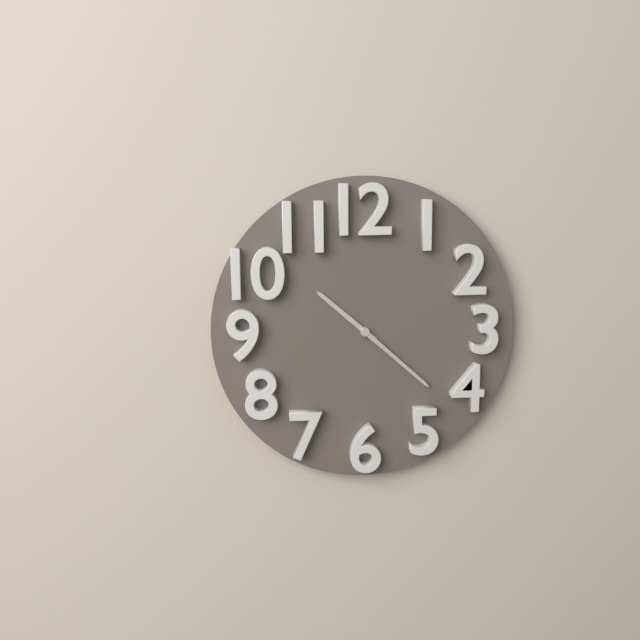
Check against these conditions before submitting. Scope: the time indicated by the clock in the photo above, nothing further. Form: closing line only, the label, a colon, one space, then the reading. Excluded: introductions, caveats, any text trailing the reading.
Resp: 10:22
